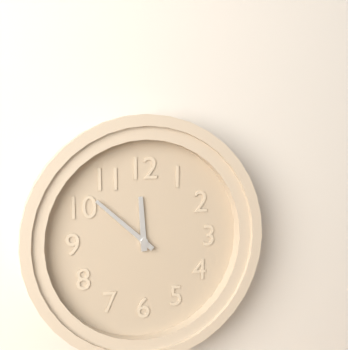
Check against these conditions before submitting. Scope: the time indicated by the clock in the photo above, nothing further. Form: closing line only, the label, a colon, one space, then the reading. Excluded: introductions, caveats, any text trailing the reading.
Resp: 11:52
